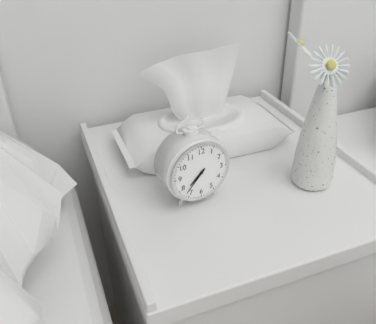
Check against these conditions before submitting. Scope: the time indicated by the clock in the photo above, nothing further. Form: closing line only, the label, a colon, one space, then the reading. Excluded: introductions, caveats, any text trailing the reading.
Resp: 7:37
